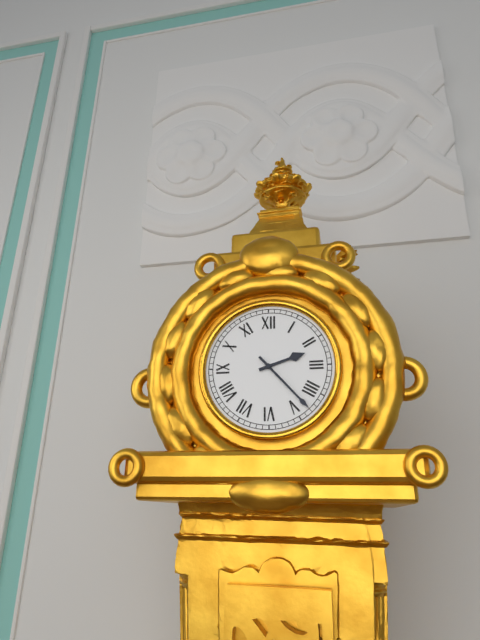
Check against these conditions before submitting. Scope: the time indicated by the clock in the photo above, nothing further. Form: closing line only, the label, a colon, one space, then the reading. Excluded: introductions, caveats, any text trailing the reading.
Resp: 2:23
